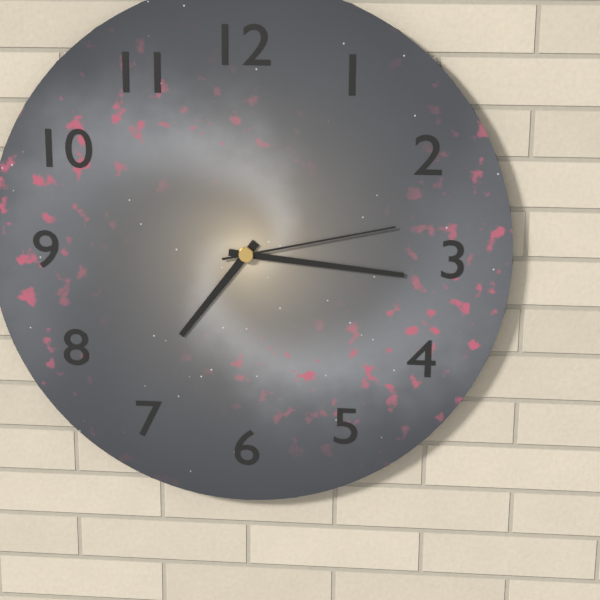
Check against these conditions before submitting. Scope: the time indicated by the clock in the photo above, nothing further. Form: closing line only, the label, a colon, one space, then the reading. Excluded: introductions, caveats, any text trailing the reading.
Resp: 7:16:13
